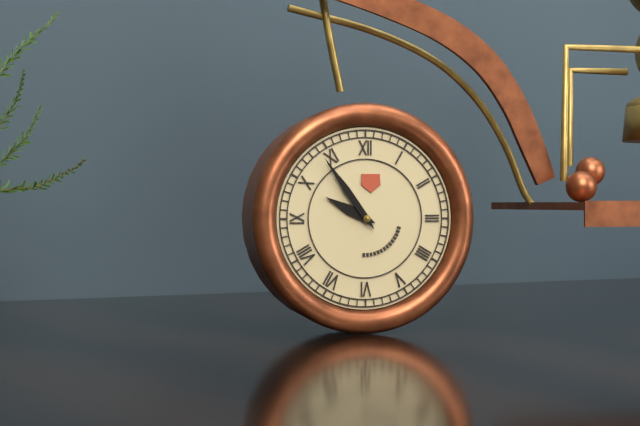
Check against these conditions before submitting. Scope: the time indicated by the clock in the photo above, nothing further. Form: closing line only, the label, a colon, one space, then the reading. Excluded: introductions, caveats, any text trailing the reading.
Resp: 9:54
